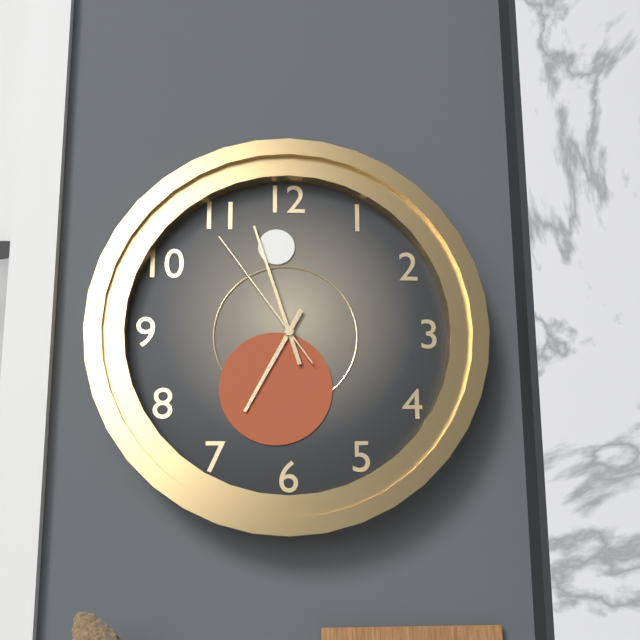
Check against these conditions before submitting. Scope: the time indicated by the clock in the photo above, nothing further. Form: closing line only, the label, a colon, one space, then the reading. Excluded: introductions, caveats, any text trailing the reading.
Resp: 6:57:54
